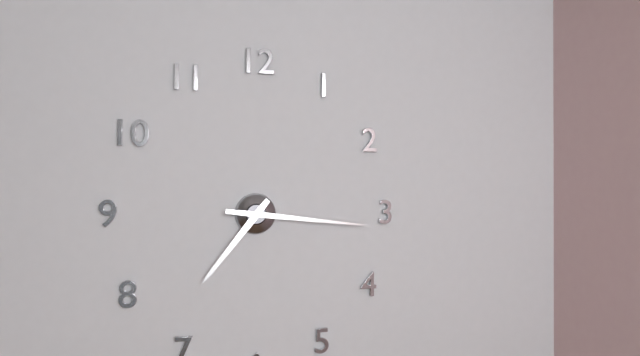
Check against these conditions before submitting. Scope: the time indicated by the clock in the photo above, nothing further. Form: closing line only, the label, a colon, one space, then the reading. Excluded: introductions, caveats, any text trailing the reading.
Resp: 7:16
